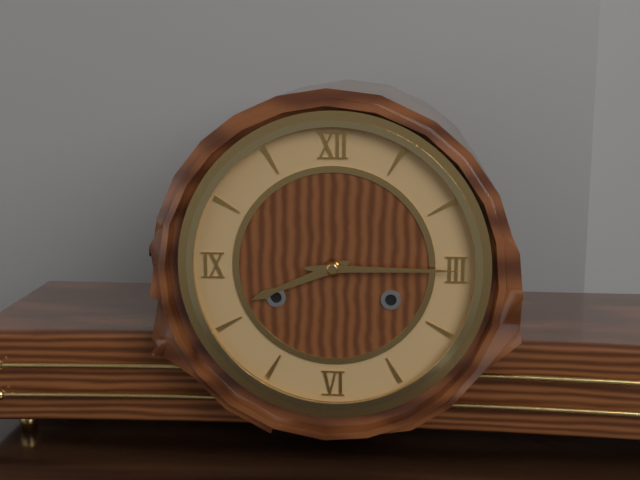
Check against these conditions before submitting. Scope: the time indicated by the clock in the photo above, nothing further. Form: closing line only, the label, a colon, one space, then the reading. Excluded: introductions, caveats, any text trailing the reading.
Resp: 8:15
